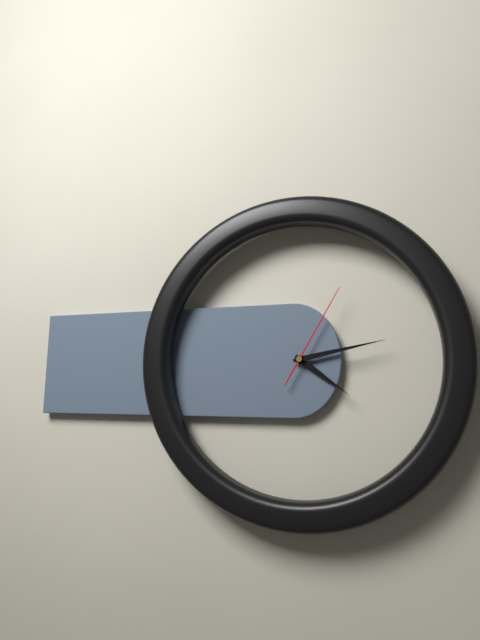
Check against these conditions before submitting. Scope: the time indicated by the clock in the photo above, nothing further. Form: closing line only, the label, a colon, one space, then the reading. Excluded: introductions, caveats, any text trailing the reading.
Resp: 4:13:05
